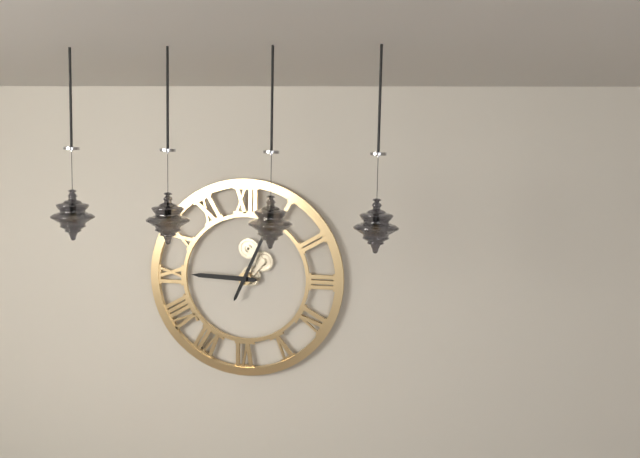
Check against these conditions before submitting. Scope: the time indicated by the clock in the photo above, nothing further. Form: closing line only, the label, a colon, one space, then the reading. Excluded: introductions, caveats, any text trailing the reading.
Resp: 9:04
